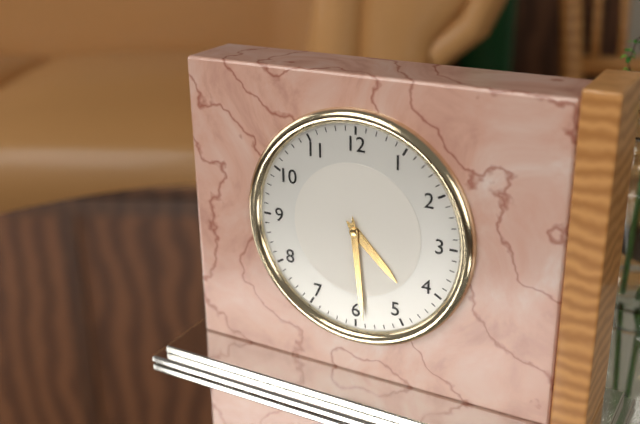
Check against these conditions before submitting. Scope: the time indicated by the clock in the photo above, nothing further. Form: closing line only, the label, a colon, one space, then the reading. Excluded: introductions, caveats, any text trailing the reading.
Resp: 4:29
